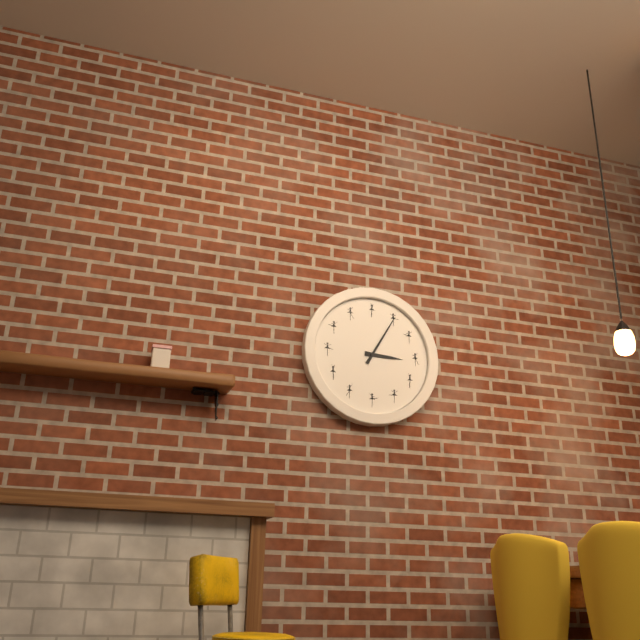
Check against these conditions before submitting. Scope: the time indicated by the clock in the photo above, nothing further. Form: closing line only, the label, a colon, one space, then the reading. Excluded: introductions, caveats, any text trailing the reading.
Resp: 3:05
